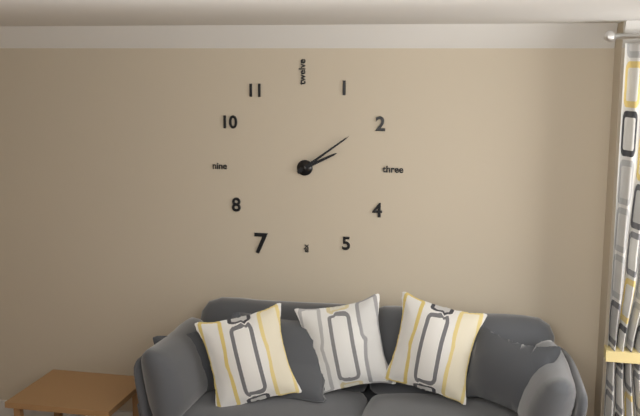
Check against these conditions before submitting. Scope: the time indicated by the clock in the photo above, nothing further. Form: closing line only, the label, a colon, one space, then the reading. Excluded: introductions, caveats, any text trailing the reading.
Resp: 2:09
